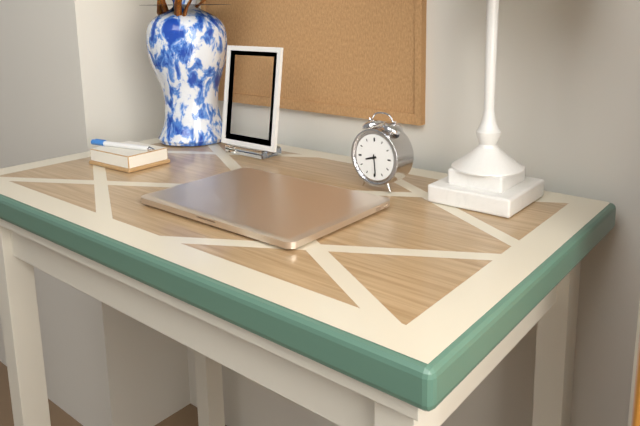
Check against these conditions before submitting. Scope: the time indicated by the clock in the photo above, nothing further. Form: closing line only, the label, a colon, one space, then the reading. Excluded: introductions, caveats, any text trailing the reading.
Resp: 8:29
